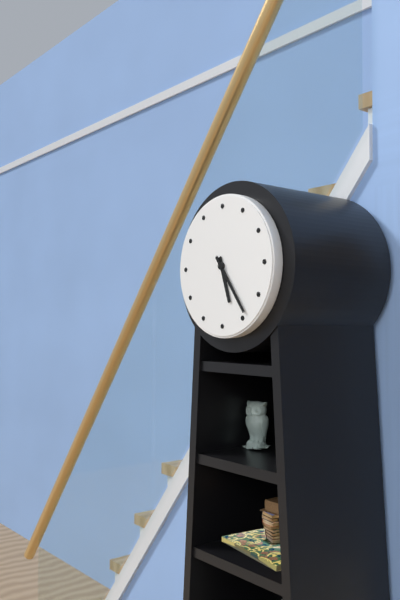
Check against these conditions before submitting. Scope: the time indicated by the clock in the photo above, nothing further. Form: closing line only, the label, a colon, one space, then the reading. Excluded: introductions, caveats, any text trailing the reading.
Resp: 5:24
